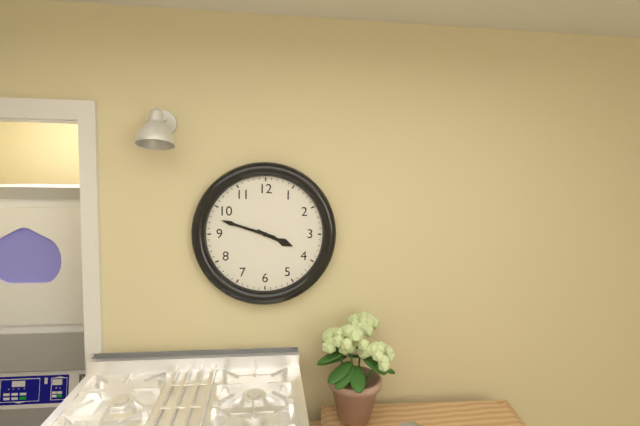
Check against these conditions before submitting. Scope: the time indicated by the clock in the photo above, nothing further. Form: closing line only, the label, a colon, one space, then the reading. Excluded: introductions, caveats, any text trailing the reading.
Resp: 3:48
